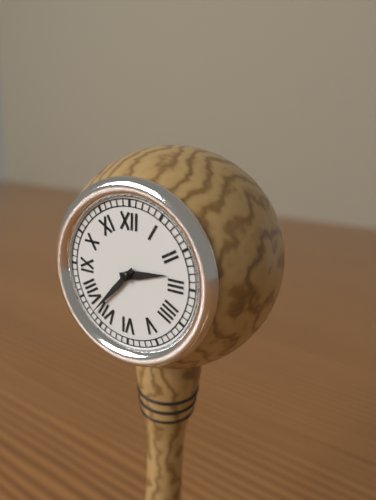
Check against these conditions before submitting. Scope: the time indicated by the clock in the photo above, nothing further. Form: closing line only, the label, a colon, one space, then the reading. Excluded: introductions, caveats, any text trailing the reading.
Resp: 2:37
